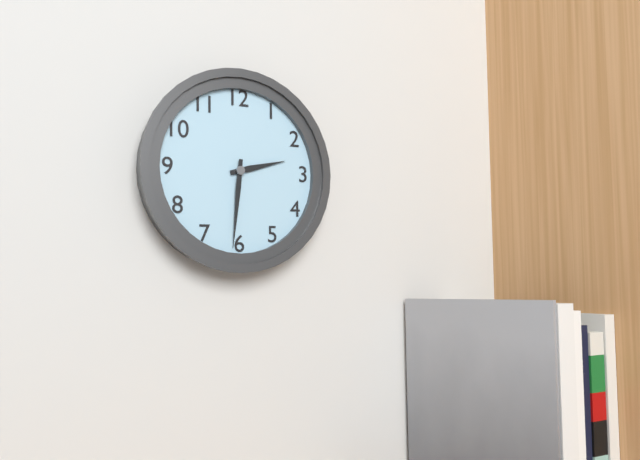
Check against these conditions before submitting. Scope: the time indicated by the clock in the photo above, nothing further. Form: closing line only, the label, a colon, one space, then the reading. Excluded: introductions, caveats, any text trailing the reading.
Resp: 2:31
